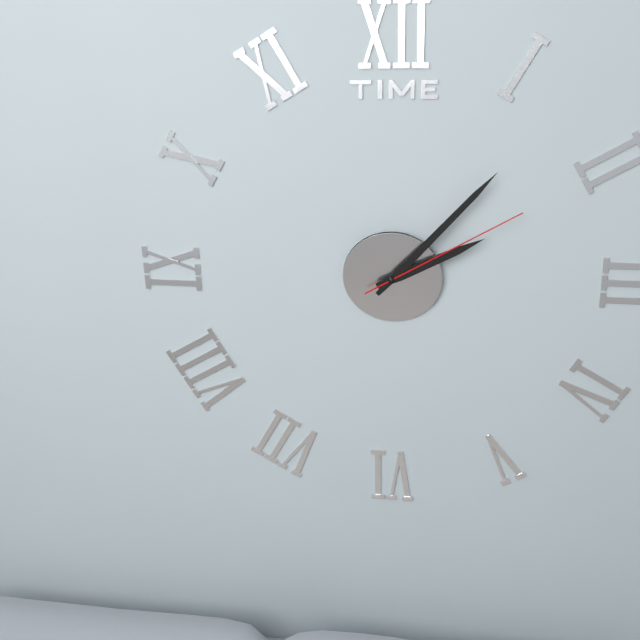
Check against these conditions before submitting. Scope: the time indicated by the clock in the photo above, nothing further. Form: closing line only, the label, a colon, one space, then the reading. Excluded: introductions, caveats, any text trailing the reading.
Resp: 2:07:10
